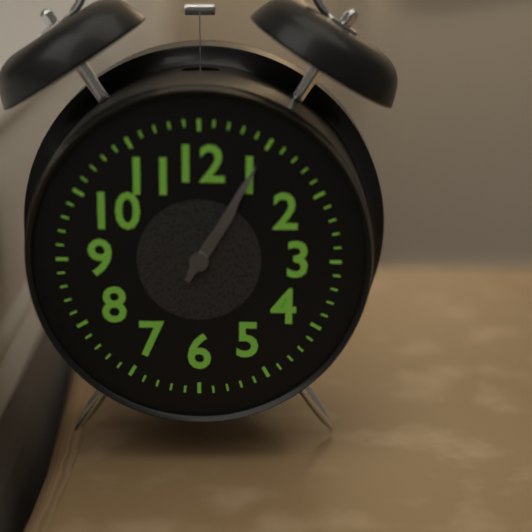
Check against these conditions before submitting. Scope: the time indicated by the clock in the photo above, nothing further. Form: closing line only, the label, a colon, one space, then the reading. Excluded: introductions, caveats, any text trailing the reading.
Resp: 1:05
